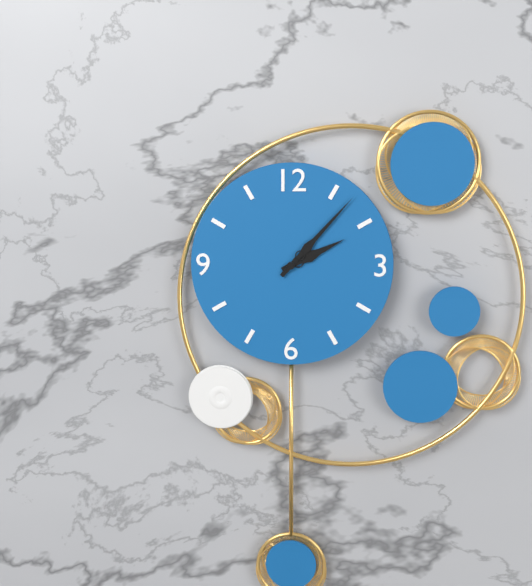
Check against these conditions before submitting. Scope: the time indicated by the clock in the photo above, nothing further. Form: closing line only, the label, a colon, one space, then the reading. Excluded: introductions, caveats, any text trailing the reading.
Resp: 2:07
